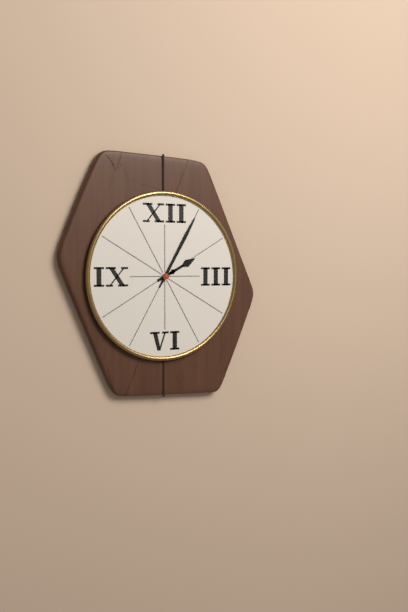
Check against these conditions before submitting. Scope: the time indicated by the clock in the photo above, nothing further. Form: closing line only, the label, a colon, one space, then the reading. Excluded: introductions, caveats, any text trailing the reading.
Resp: 2:05
